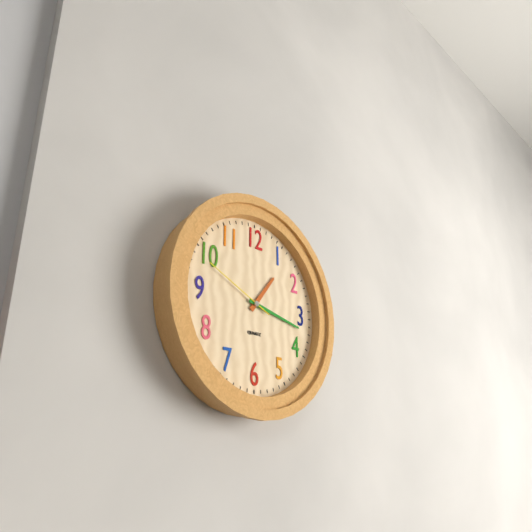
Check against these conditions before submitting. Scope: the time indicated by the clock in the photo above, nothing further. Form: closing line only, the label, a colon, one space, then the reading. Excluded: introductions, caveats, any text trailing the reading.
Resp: 1:17:49
